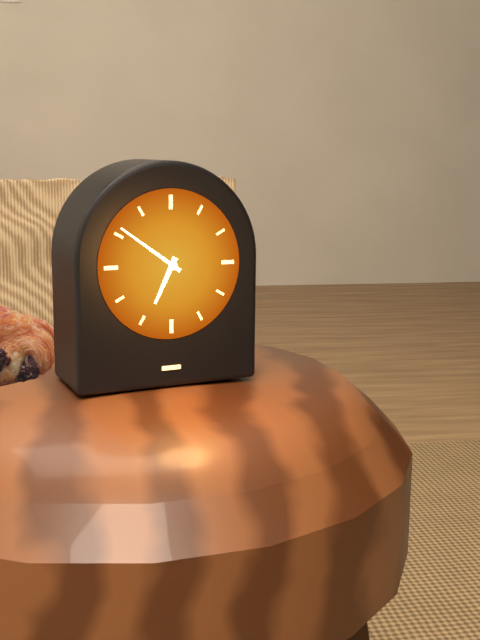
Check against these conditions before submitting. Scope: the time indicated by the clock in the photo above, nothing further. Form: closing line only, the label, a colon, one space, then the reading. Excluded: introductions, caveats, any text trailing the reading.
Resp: 6:51
